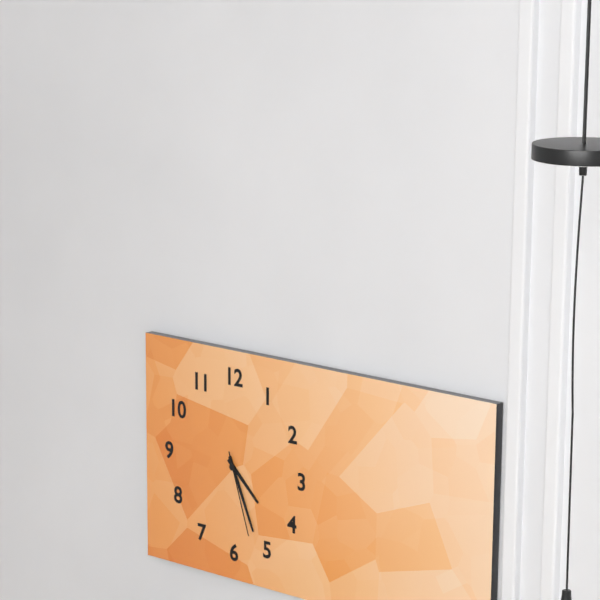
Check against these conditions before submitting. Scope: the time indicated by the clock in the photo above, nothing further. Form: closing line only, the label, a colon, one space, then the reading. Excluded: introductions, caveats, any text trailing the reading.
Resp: 4:26:27
